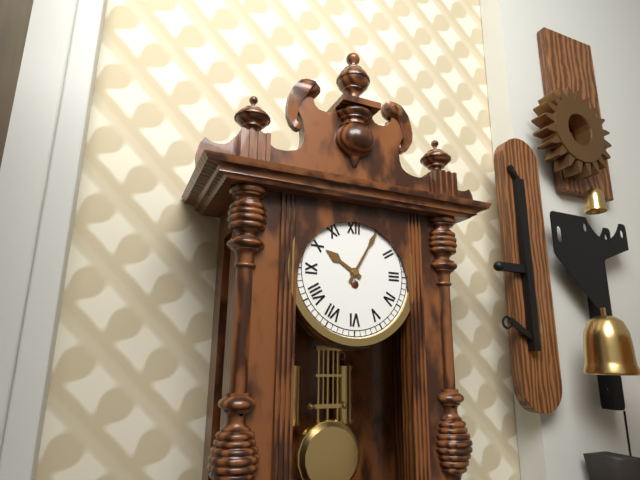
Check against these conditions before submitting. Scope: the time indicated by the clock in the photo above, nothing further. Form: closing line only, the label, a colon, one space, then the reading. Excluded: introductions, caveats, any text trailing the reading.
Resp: 10:05
